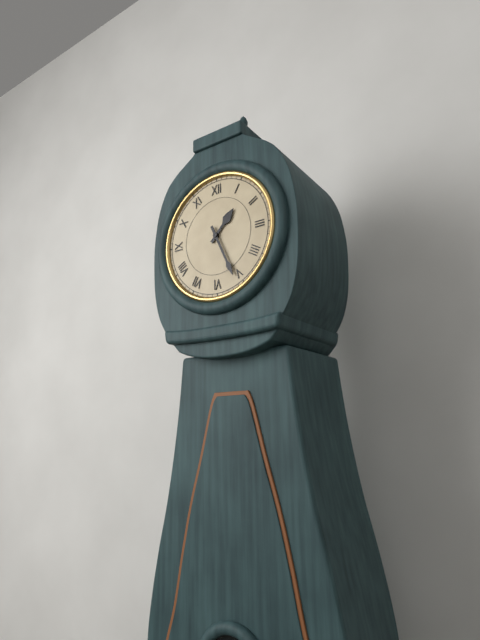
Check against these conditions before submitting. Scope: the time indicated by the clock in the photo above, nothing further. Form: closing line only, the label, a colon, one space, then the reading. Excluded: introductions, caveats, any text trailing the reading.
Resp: 1:26
